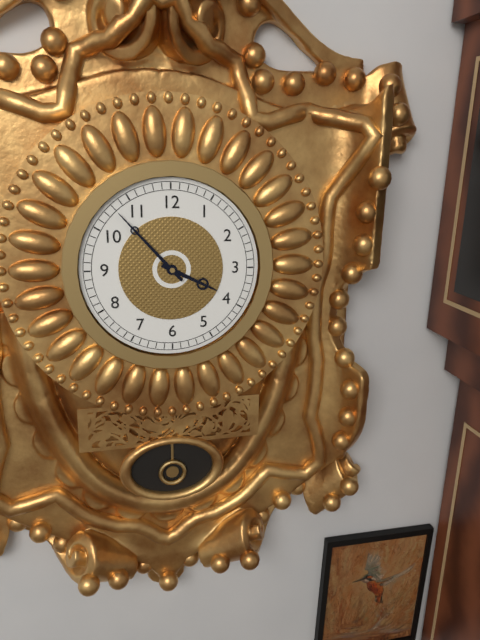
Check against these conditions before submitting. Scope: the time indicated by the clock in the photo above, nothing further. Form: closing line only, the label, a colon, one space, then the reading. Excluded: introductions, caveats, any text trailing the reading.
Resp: 3:53
